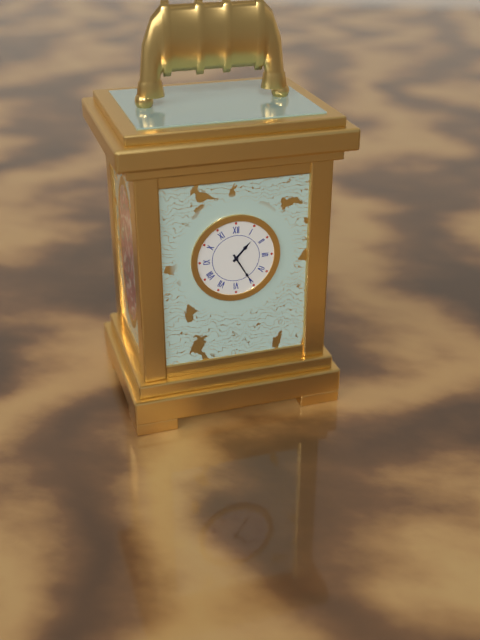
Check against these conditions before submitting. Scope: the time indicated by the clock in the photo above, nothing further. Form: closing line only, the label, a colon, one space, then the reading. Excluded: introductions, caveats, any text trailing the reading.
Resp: 1:25
